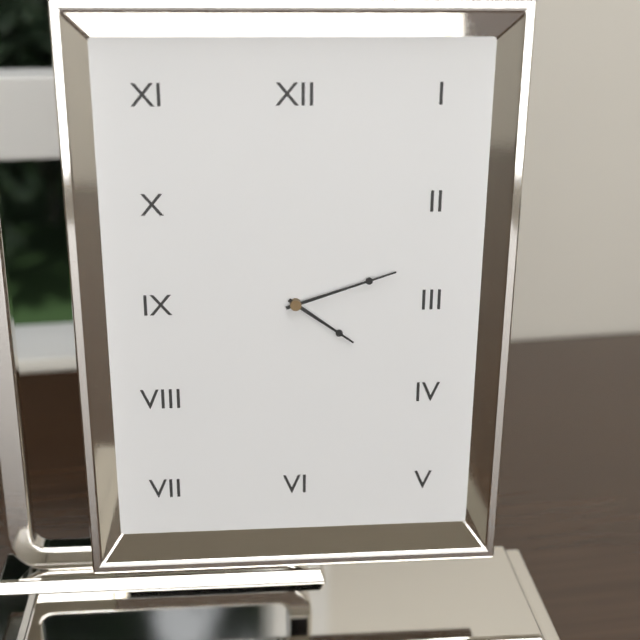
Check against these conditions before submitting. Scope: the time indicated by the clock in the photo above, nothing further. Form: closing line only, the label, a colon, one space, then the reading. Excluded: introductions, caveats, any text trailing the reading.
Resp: 4:12
